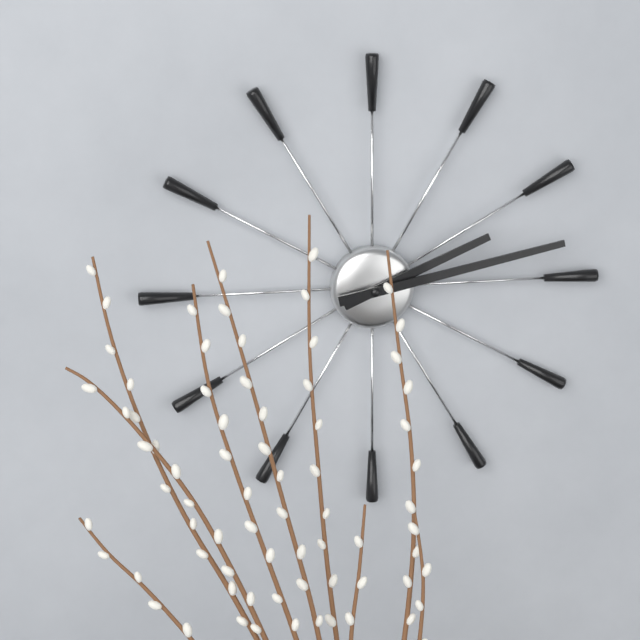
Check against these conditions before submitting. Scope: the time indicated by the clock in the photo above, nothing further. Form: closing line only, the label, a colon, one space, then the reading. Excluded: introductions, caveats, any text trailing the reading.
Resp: 2:13
